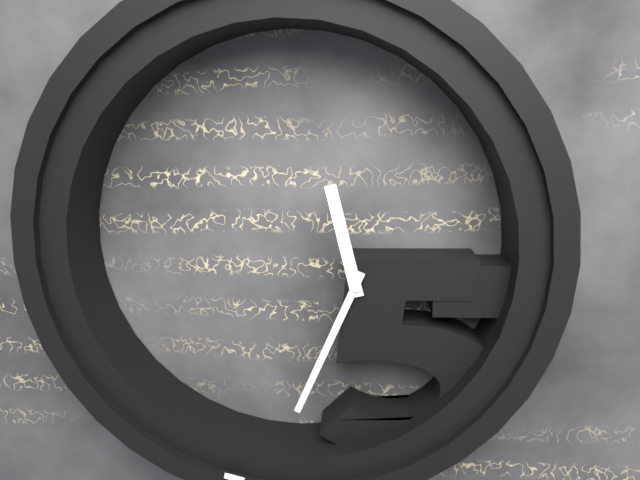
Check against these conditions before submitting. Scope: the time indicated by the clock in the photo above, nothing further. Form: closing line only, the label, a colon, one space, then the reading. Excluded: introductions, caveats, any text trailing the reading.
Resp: 11:34
